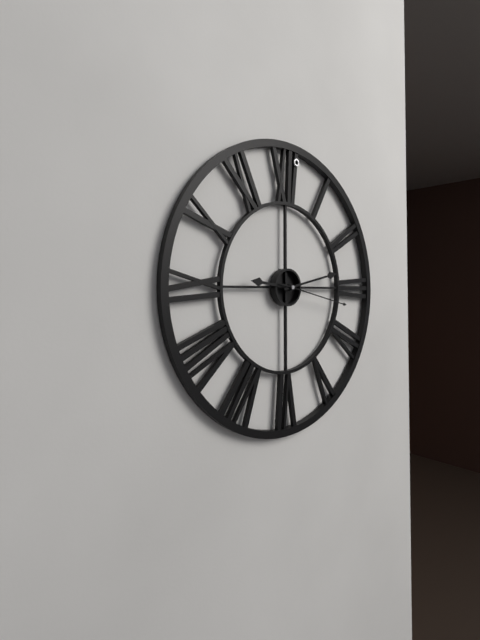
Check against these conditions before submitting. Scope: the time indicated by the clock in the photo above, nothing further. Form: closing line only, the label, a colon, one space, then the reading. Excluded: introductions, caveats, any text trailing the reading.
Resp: 9:13:17
